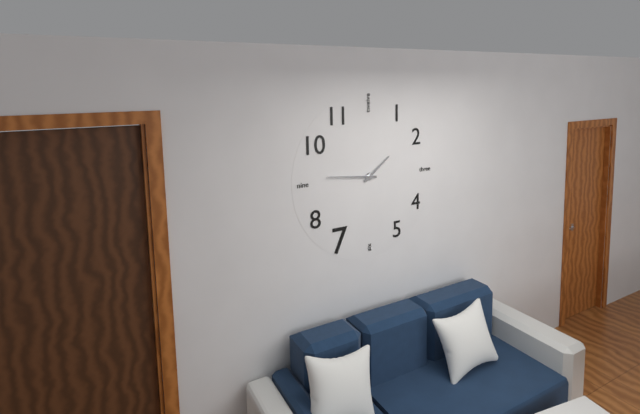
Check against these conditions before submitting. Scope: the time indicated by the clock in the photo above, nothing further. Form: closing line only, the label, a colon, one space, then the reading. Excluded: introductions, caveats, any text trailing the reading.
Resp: 1:46
